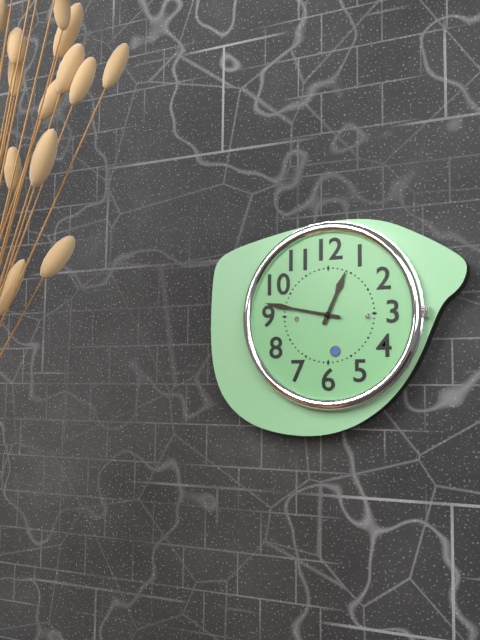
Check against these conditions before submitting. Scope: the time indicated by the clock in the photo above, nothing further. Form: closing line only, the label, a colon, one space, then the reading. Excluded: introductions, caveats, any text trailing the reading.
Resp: 12:47
